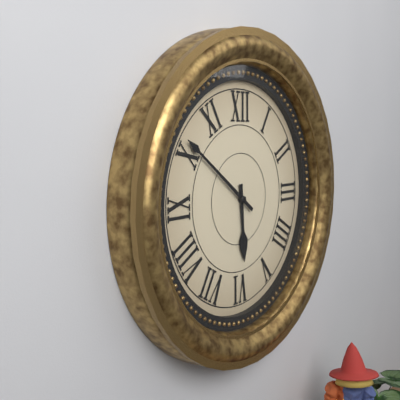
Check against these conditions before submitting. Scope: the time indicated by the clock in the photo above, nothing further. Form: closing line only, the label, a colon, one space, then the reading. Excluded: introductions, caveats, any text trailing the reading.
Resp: 5:51
